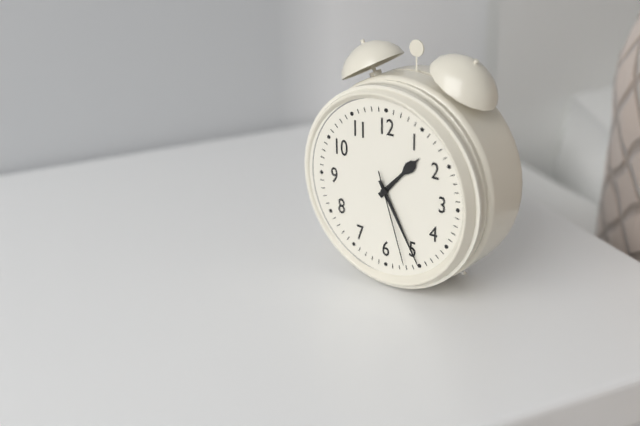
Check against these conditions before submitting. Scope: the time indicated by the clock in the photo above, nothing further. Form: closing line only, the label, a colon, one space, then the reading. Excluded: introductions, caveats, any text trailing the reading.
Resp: 1:25:27
